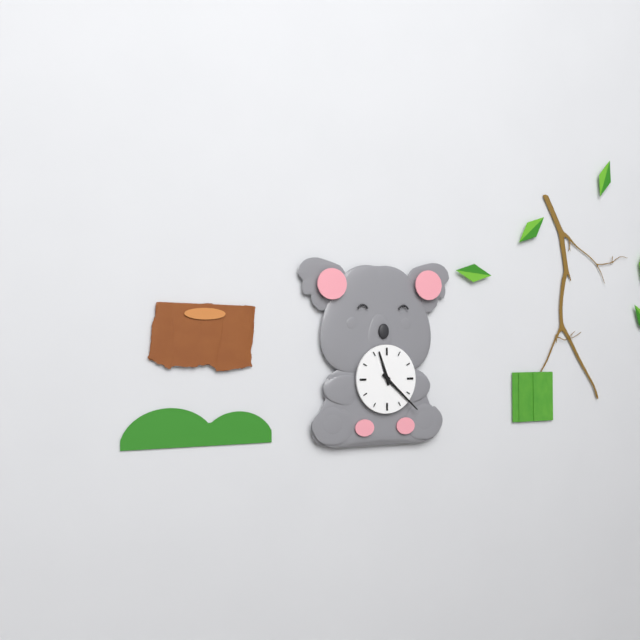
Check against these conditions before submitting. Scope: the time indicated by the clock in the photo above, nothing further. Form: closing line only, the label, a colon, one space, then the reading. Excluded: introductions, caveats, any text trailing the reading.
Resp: 11:22
